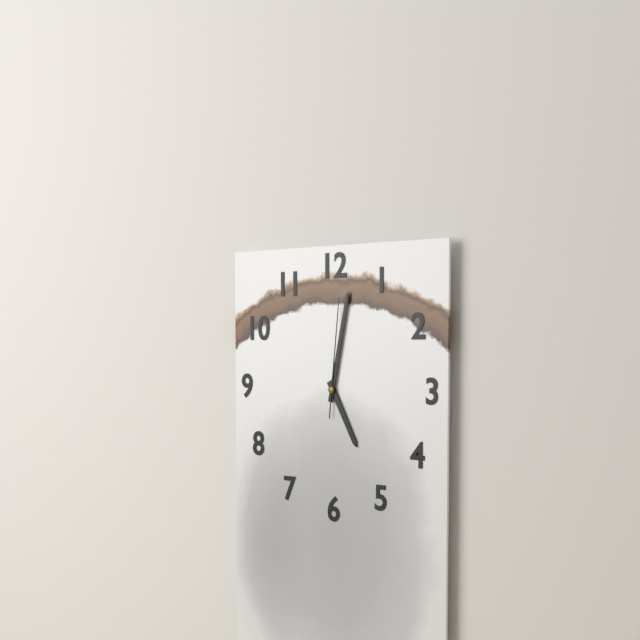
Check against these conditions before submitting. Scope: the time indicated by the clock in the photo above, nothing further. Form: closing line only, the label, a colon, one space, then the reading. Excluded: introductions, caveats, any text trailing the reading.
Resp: 5:02:01
